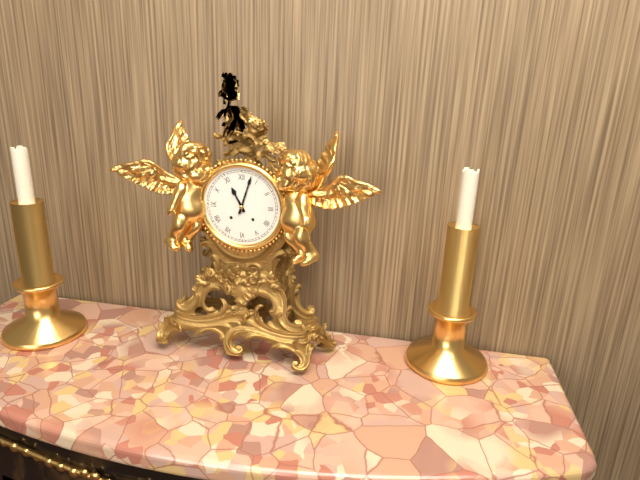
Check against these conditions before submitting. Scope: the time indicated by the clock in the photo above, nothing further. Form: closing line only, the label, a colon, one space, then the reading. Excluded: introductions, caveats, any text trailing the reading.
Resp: 11:03
